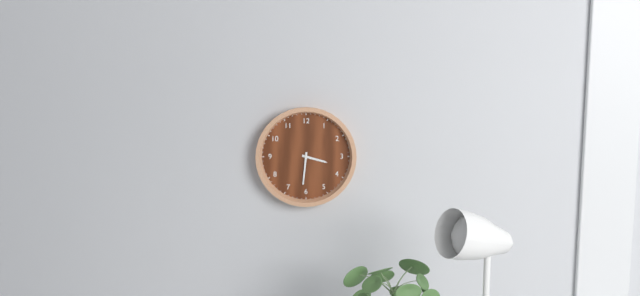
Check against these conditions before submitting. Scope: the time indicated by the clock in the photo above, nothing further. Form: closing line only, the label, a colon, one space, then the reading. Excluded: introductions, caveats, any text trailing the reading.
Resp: 3:31
